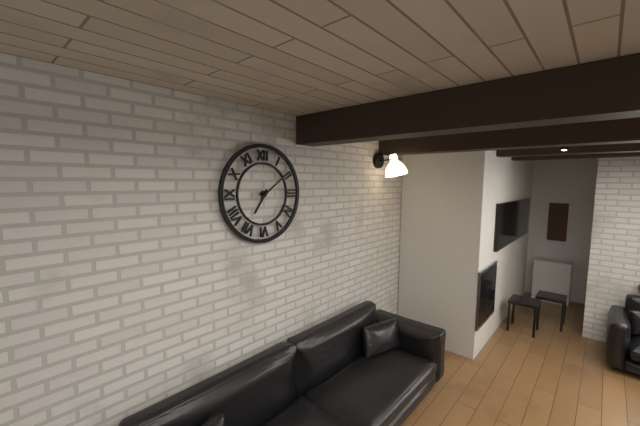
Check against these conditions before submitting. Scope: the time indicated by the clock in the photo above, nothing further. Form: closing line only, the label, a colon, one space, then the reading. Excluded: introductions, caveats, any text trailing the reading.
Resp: 7:09
